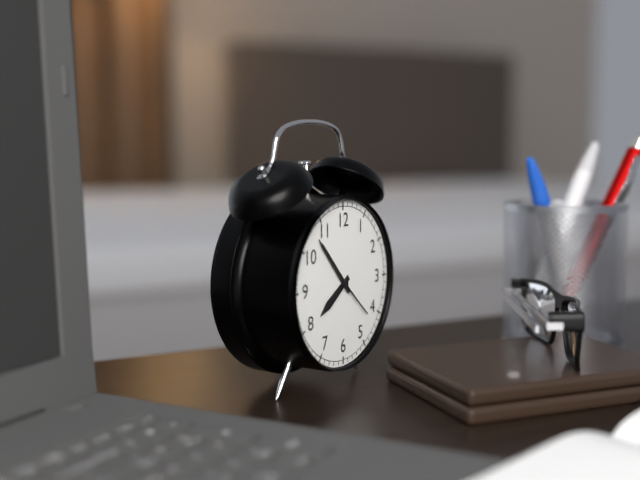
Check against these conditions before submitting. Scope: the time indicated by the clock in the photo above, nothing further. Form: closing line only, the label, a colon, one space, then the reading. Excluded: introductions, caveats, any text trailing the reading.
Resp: 7:53
